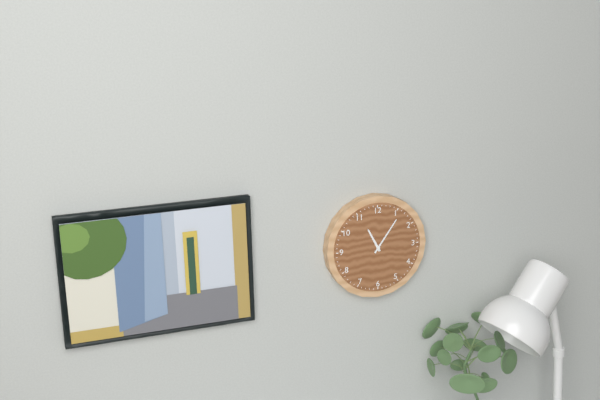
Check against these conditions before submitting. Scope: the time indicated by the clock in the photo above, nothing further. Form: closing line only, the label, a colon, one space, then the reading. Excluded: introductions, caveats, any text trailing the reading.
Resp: 11:06
